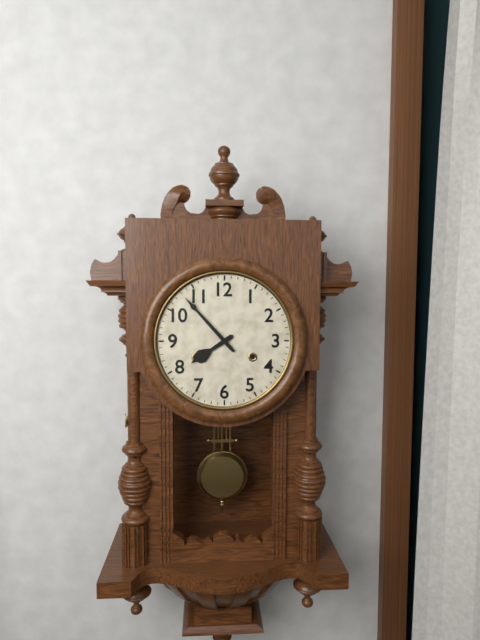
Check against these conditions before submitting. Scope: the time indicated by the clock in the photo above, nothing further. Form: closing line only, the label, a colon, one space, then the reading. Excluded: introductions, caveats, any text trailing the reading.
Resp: 7:53
